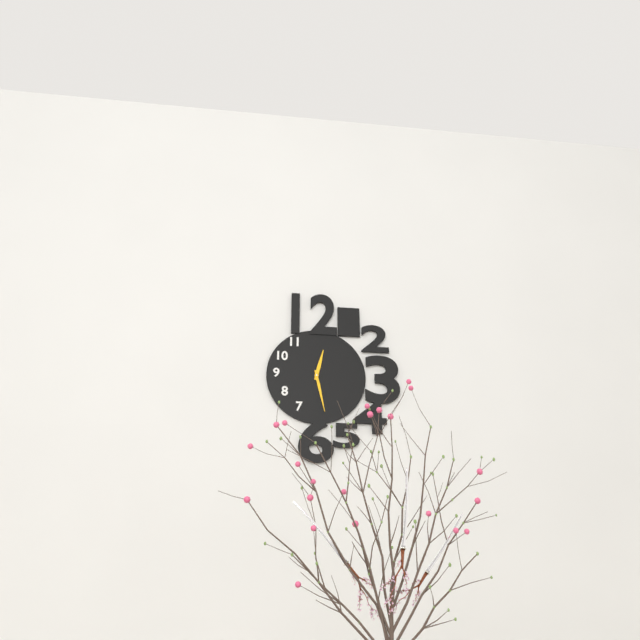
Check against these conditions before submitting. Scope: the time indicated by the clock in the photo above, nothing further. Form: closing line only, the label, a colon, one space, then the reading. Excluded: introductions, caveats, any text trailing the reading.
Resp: 12:28
